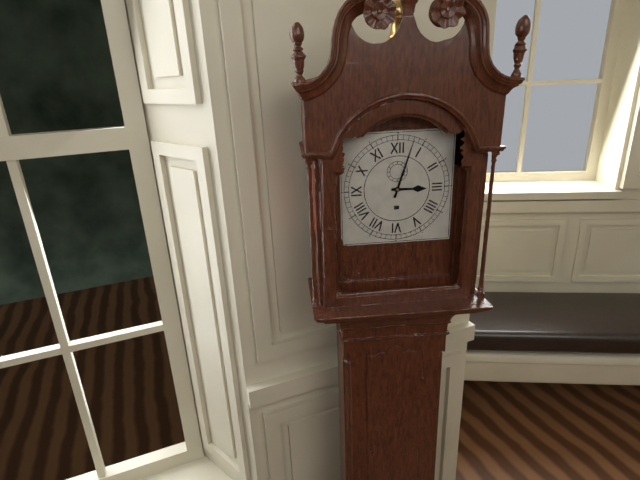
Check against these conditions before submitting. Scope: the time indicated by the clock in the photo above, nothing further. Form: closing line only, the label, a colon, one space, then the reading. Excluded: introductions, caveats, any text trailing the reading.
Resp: 3:03
